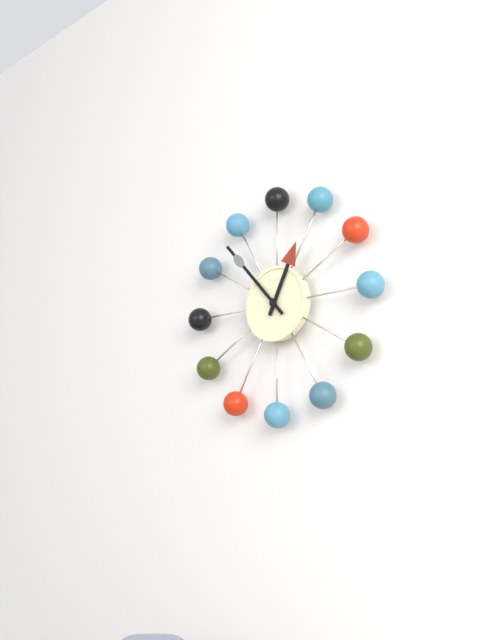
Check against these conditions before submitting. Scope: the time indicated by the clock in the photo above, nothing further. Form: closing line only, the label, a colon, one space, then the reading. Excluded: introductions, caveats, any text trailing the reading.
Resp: 12:53
